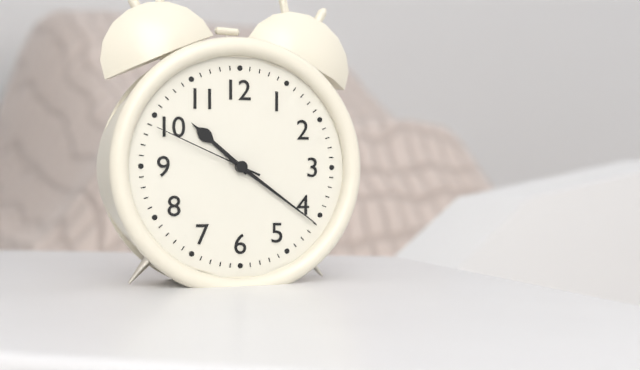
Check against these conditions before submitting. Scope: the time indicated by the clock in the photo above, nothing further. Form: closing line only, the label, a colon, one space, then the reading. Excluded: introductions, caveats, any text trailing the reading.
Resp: 10:21:49
